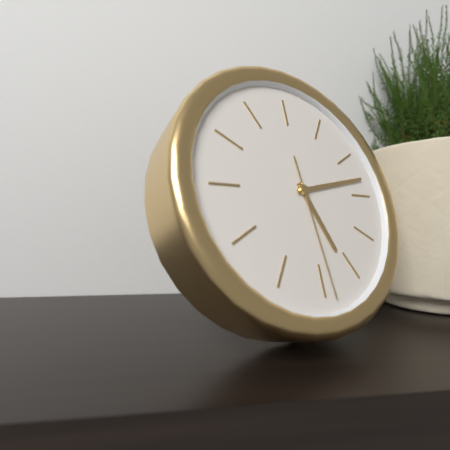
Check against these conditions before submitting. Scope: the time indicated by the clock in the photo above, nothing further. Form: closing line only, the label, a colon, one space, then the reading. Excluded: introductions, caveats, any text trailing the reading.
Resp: 5:13:29
